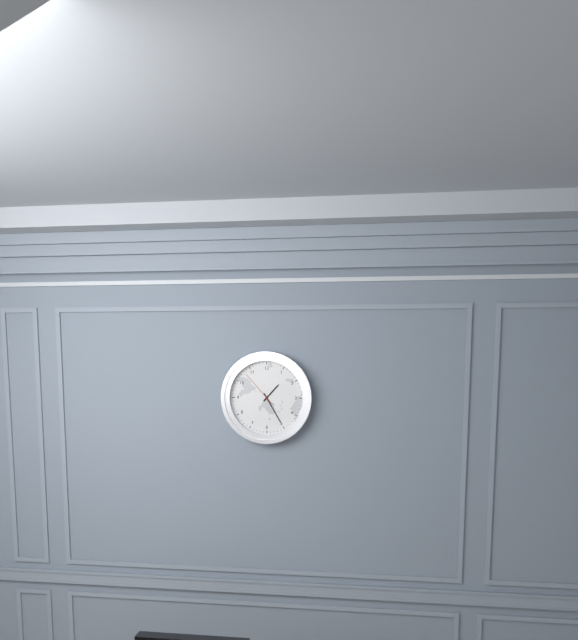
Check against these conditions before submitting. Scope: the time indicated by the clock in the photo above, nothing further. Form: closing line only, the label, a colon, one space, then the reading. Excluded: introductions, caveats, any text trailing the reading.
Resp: 1:25
